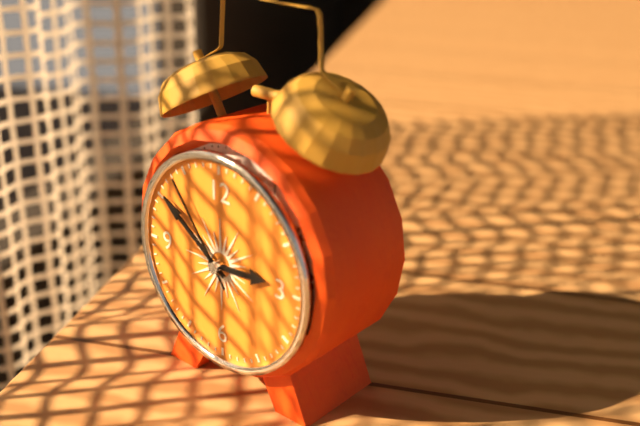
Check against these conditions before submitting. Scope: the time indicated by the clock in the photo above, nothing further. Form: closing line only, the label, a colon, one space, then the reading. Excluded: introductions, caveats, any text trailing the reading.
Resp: 2:51:54
